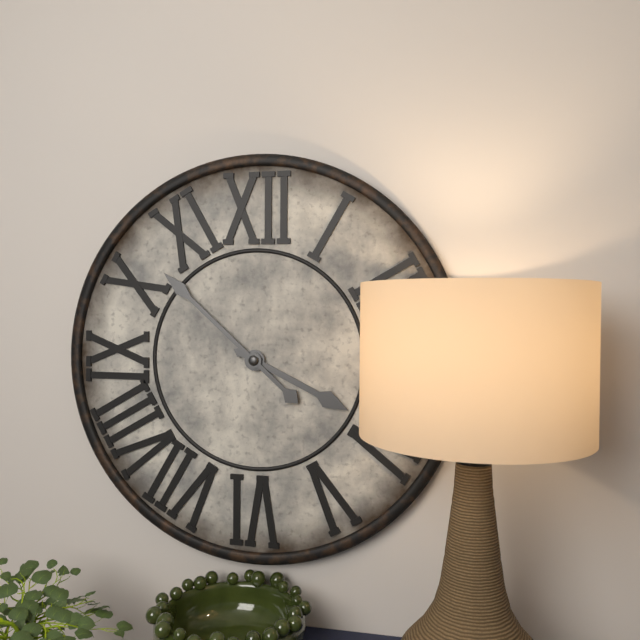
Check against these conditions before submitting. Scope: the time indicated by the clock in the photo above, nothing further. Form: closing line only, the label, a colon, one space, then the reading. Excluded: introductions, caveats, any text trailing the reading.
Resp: 3:52
